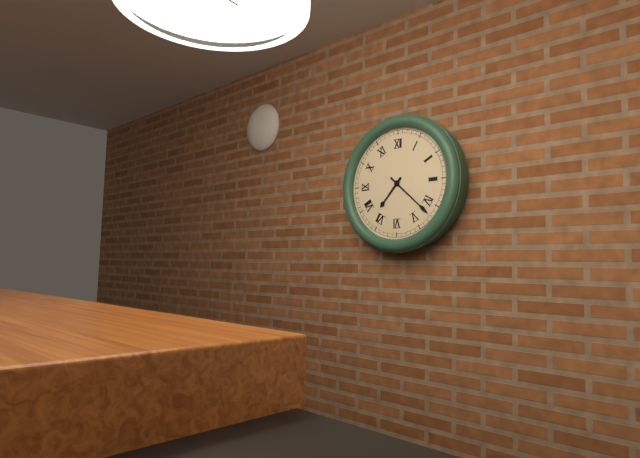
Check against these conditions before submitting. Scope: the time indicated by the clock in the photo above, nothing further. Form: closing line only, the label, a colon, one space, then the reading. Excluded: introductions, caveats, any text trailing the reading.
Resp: 7:22
